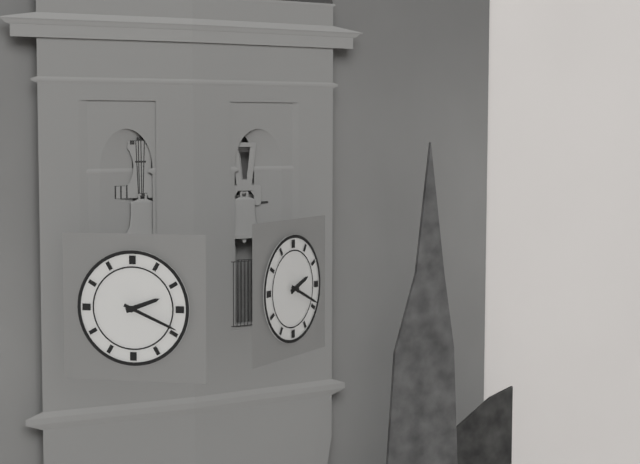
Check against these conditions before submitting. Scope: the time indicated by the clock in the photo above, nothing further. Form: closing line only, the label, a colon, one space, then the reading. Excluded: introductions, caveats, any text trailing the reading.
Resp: 2:19
